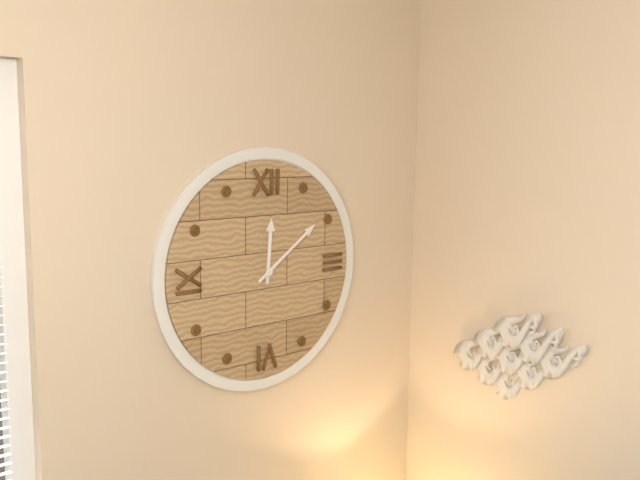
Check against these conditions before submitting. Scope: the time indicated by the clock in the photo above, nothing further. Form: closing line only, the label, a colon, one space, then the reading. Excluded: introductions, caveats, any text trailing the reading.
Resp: 12:09
